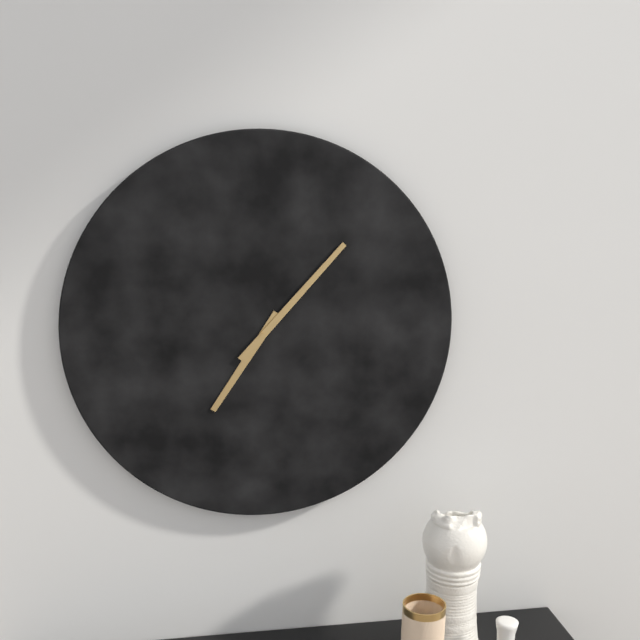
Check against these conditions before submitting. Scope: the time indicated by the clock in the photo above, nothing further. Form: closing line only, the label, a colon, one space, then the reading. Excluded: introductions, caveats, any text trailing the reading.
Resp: 7:07
